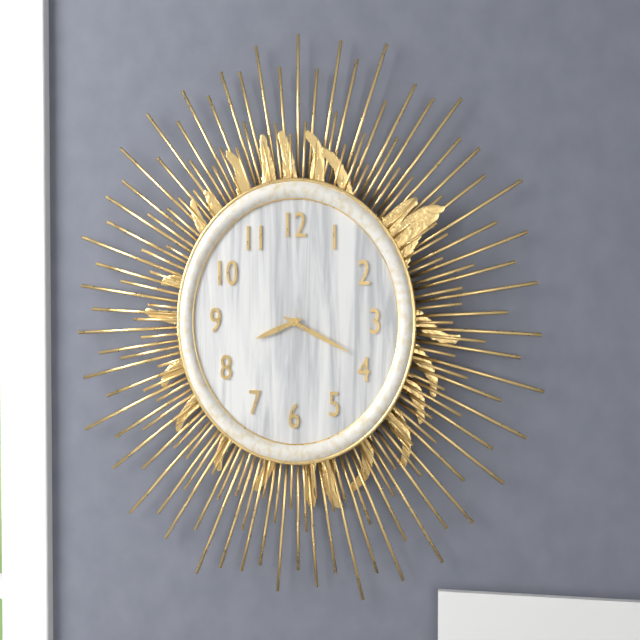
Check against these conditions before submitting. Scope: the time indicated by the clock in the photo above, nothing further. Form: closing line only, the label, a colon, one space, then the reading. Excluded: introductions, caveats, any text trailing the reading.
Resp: 8:19
